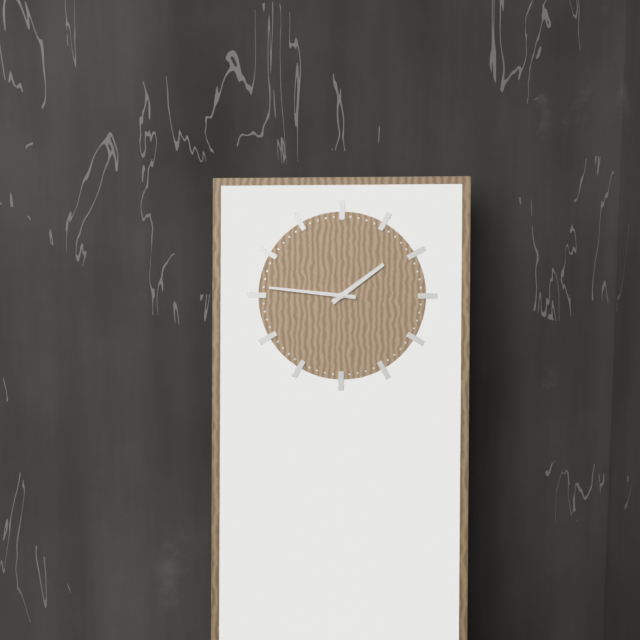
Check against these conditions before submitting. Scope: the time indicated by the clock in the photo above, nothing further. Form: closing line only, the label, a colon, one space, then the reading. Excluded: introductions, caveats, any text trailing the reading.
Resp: 1:46
